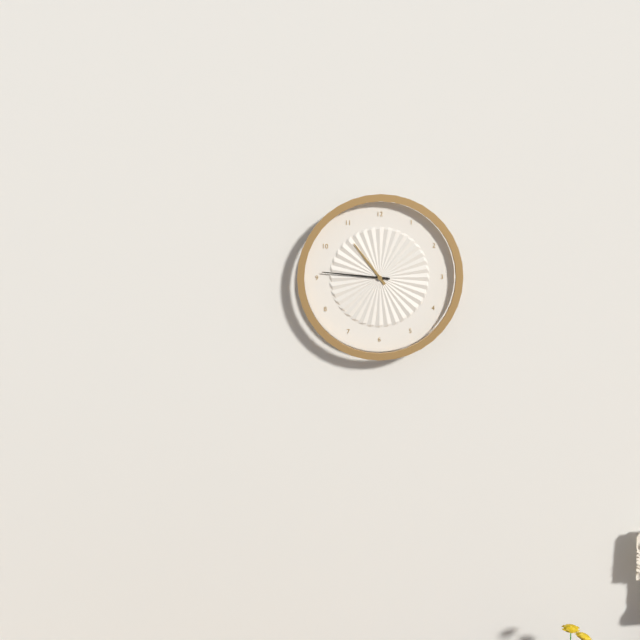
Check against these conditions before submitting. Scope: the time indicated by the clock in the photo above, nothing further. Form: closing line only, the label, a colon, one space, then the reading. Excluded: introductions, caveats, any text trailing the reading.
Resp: 10:46
